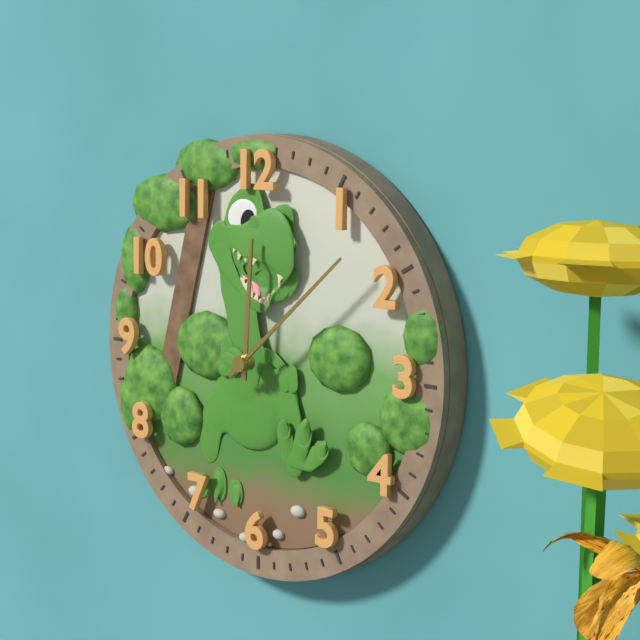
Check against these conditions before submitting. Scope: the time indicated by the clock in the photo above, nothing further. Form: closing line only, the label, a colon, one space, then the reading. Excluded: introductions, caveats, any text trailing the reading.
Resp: 12:08
